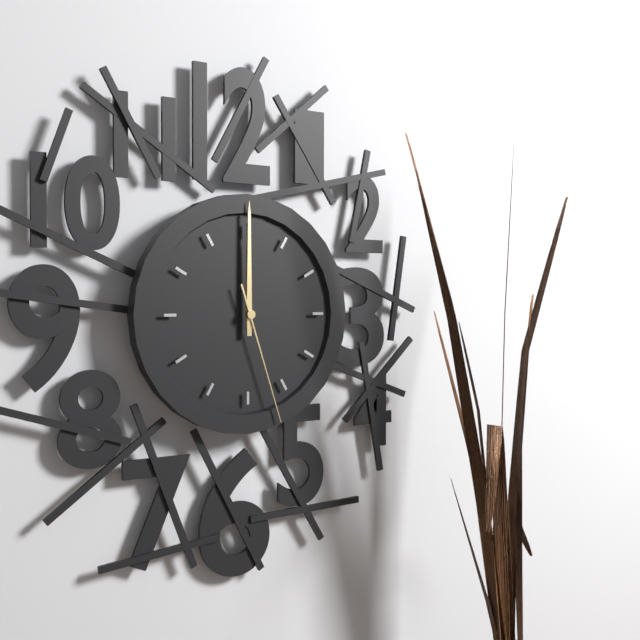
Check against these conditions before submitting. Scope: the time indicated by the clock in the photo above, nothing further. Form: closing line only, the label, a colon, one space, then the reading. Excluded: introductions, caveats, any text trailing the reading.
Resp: 12:00:27
